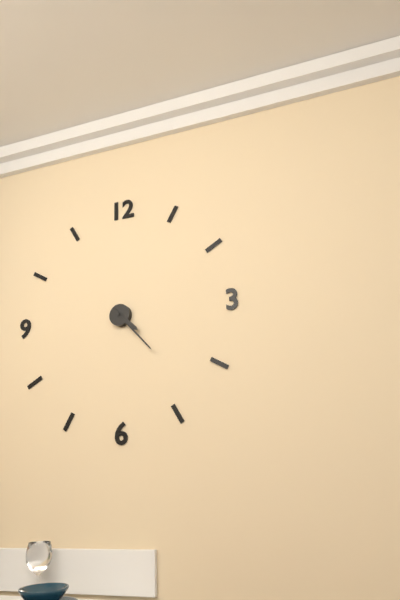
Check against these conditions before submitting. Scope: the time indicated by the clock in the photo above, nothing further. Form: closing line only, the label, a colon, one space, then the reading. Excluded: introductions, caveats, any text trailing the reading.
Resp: 4:23
